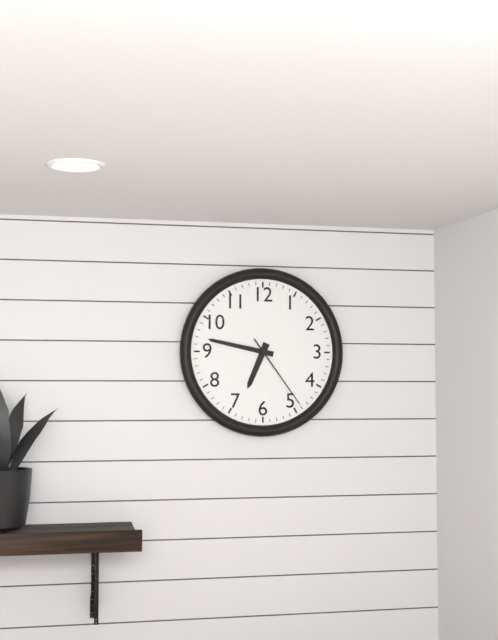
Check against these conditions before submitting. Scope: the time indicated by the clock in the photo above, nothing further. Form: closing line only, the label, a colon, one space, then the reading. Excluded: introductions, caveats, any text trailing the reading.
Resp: 6:47:24
